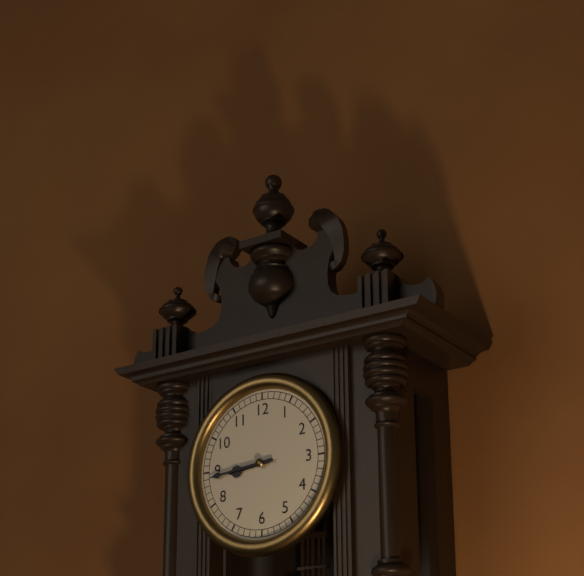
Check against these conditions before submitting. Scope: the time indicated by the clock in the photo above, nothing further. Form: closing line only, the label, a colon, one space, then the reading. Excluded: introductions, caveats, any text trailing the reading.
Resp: 8:44
